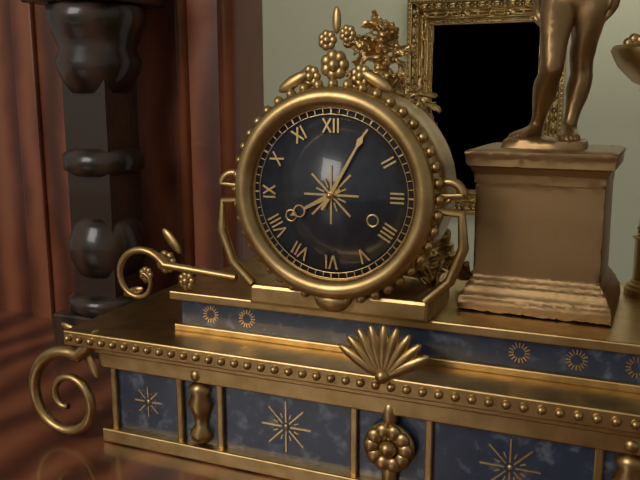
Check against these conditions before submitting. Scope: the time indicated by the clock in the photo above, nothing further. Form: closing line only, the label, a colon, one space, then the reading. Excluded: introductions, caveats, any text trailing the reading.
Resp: 8:05
